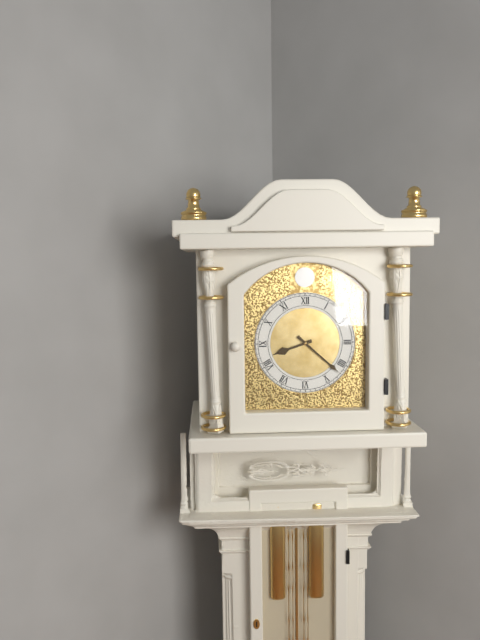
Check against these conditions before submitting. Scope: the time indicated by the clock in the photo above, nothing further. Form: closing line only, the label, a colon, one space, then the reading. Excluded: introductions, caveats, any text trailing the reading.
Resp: 8:22
